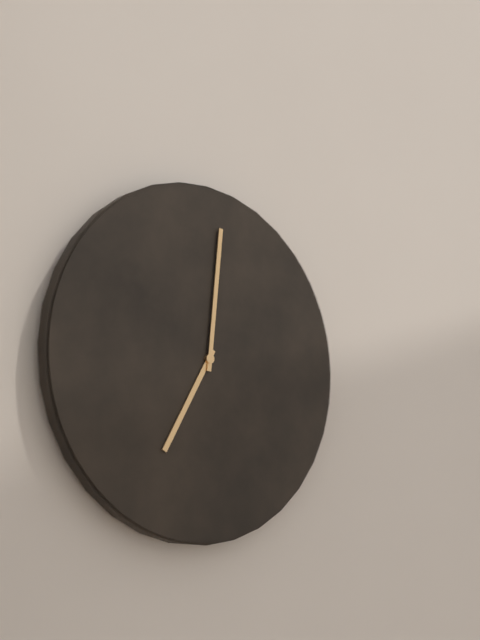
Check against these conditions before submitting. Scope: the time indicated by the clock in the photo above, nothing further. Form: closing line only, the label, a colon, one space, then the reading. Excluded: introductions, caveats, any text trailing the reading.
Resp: 7:01
